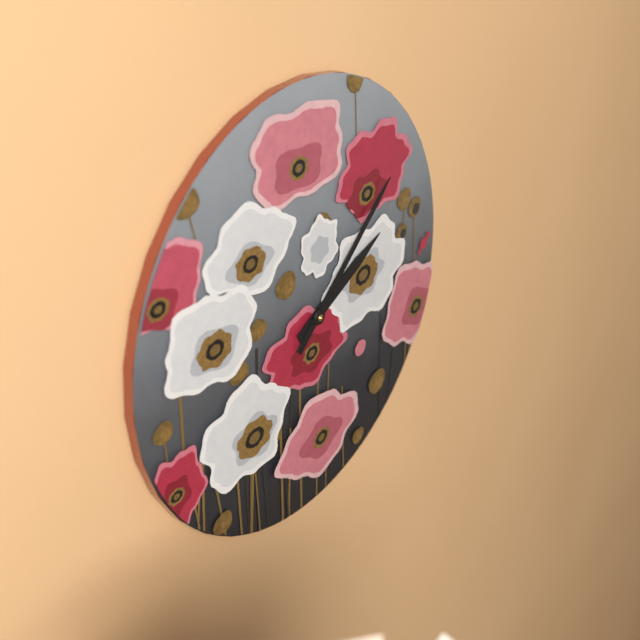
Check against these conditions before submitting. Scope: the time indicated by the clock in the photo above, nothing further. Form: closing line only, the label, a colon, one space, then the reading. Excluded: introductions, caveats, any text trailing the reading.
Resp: 2:08
